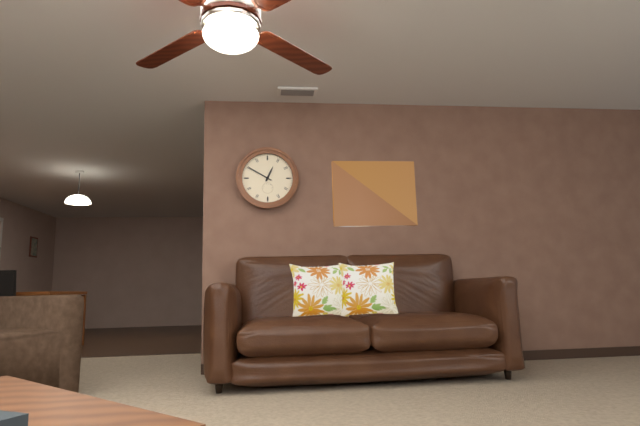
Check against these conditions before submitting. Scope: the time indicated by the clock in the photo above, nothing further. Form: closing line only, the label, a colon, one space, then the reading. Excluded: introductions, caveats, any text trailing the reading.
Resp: 12:50
